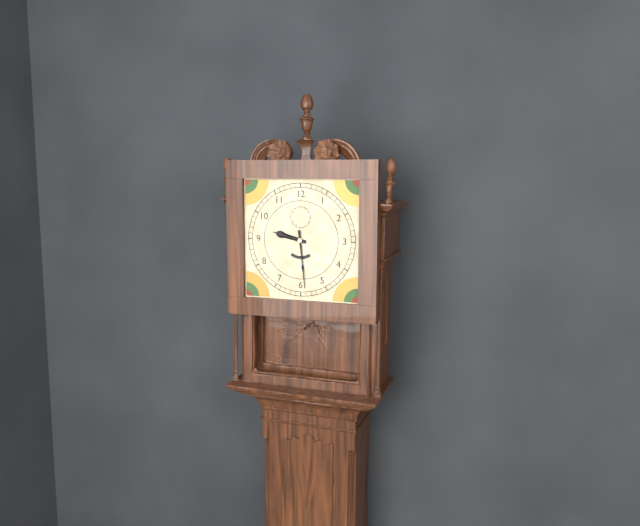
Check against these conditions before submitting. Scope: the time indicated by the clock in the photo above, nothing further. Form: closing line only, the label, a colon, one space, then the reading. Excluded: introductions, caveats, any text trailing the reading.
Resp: 9:29
